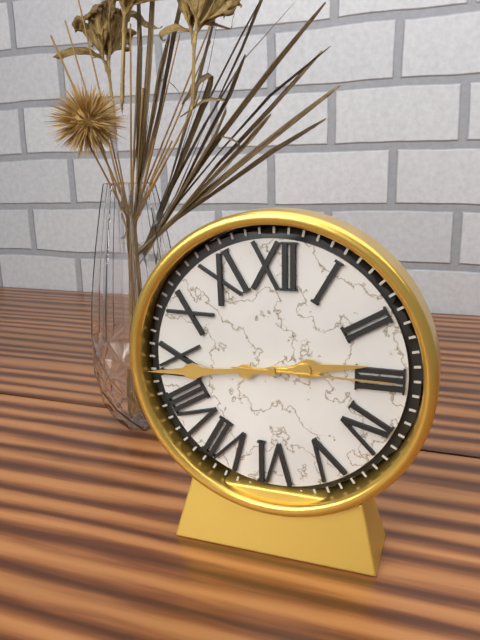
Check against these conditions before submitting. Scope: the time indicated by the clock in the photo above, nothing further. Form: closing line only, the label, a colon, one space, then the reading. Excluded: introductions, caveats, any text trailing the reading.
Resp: 2:44:15
